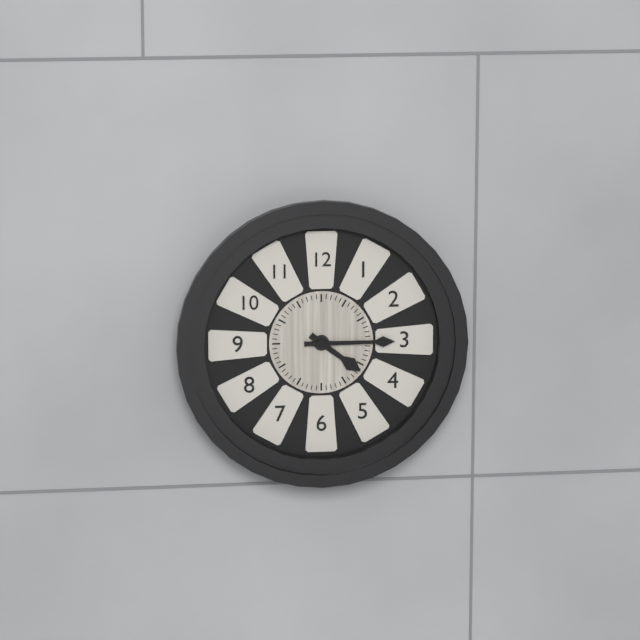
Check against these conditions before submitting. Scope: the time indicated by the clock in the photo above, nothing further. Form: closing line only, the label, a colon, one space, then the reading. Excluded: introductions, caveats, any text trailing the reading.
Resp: 4:15
